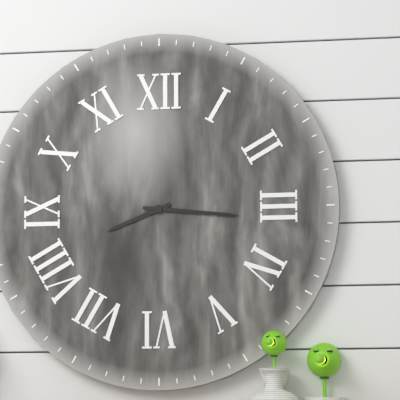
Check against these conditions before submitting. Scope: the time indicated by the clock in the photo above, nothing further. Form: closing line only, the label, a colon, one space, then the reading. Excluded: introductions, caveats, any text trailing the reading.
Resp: 8:16
